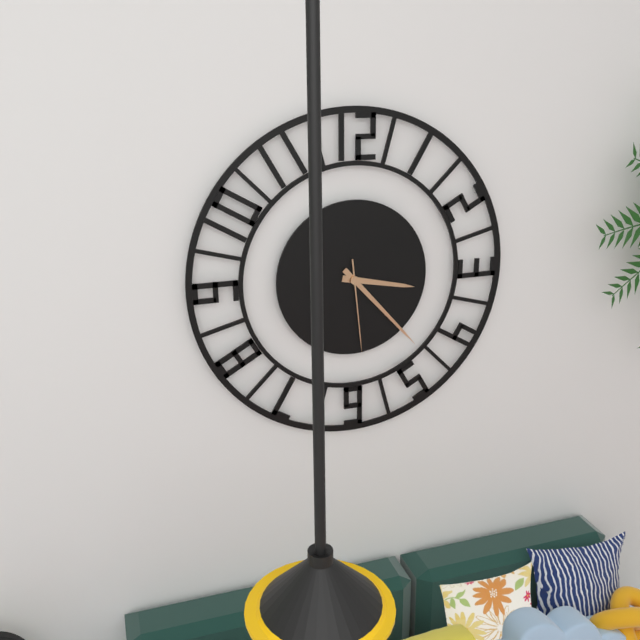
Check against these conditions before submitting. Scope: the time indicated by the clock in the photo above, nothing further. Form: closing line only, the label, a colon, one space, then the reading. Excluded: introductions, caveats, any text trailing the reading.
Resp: 3:23:29
